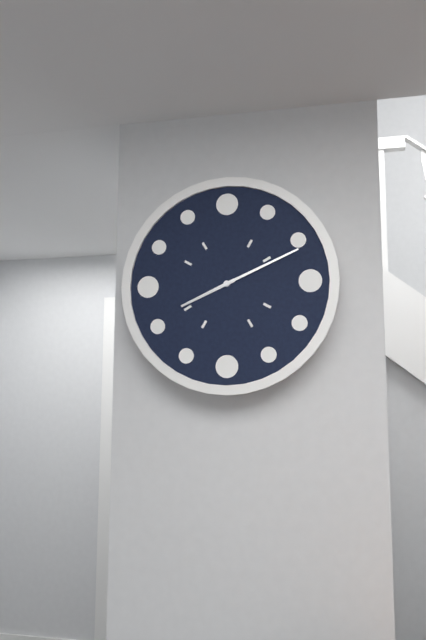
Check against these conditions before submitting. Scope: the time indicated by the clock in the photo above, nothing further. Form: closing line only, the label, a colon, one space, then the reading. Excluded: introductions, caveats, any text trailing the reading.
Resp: 8:11
